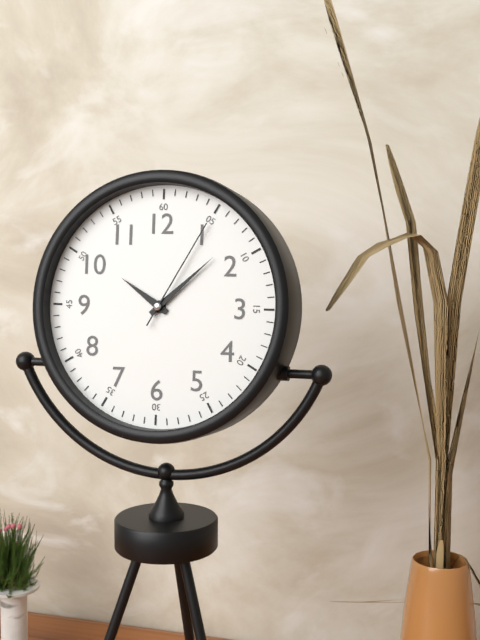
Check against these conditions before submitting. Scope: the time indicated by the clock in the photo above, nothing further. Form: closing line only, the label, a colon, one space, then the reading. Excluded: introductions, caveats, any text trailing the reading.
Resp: 10:08:05
